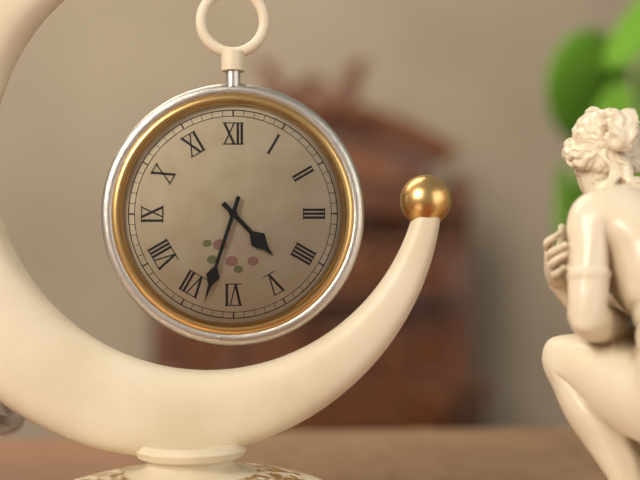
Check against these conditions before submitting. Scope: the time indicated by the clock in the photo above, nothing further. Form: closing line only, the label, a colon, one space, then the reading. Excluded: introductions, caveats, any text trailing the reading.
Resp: 4:33
